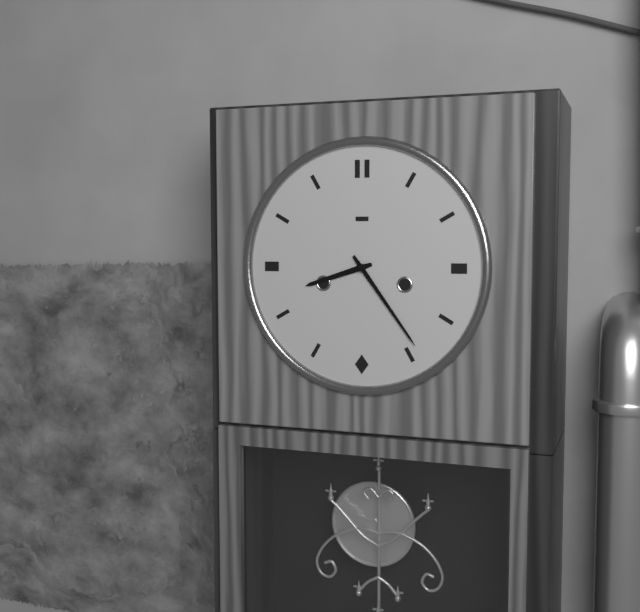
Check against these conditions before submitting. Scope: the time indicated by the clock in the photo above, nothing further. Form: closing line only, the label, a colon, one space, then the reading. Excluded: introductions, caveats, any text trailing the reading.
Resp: 8:24
